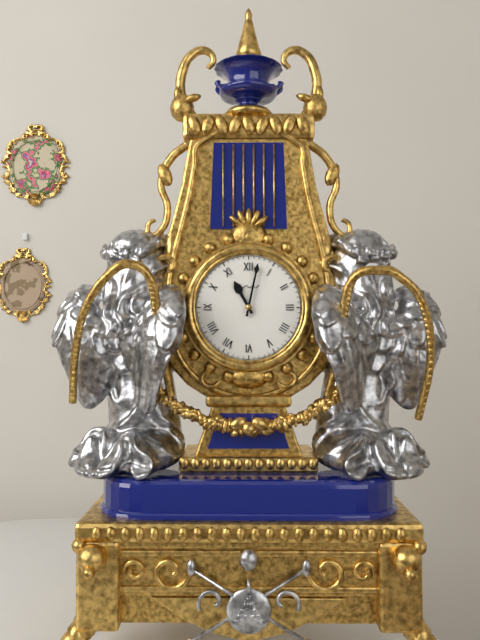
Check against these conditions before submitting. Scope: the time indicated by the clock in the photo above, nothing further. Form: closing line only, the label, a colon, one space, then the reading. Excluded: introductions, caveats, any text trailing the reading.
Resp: 11:02
